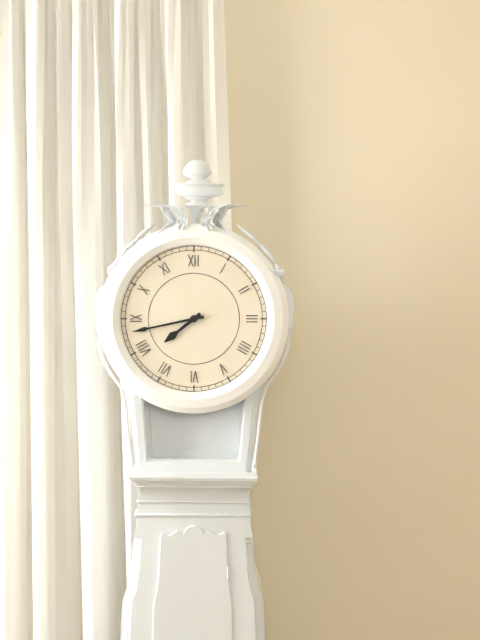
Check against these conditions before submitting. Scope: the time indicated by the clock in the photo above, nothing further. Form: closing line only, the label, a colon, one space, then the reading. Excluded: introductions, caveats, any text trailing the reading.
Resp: 7:43
